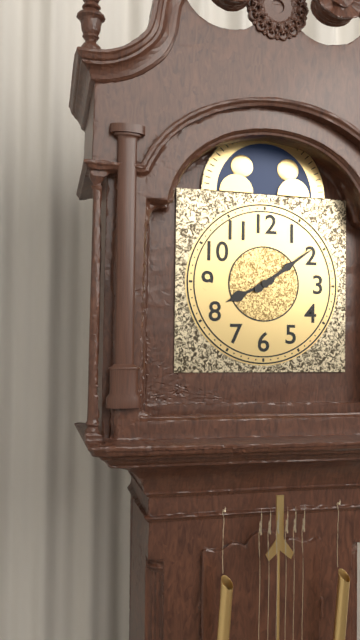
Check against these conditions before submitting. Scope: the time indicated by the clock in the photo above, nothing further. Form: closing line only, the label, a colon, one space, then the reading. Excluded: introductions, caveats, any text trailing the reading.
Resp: 8:09
